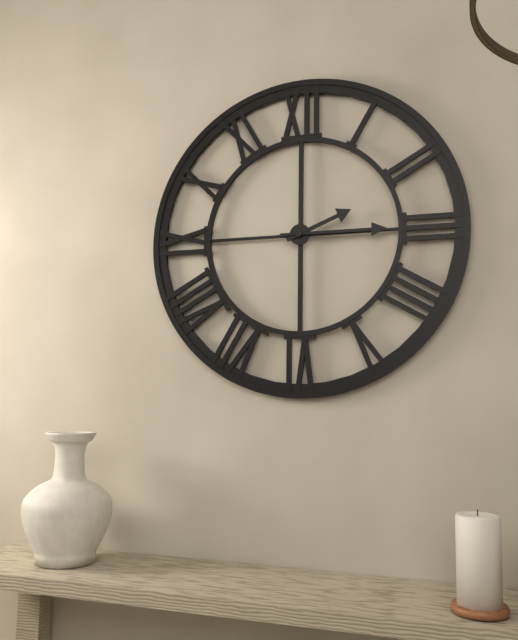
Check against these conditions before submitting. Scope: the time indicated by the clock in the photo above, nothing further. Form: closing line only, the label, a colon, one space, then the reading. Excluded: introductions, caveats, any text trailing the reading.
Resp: 2:15
